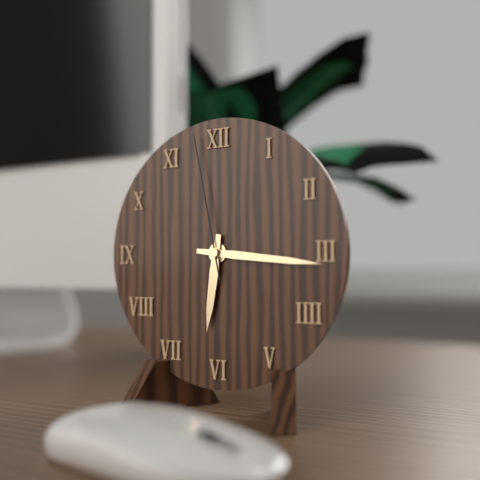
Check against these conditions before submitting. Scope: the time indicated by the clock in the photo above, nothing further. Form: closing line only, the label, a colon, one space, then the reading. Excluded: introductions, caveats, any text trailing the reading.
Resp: 6:16:58
